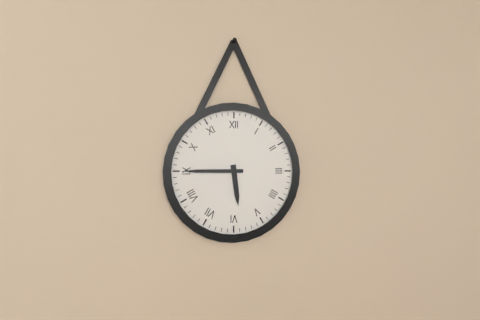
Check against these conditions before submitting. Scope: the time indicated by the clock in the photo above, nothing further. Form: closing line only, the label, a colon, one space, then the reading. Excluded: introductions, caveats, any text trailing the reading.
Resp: 5:45
